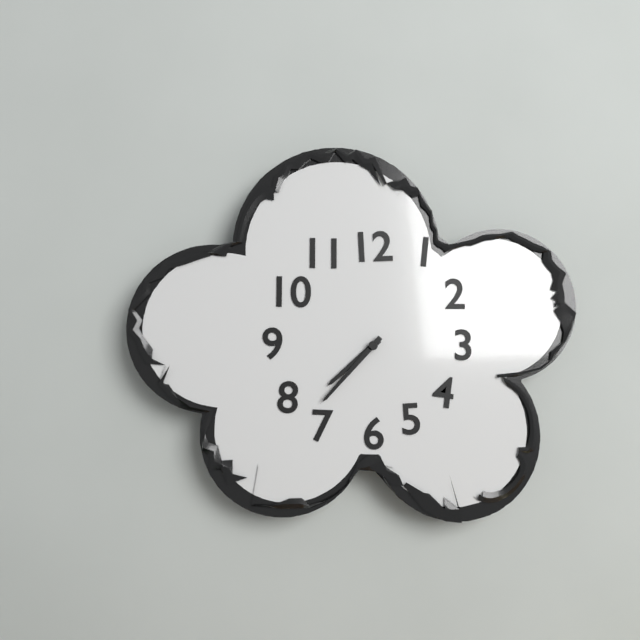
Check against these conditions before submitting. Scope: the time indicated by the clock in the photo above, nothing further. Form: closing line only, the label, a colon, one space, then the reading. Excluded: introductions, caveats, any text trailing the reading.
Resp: 7:37
